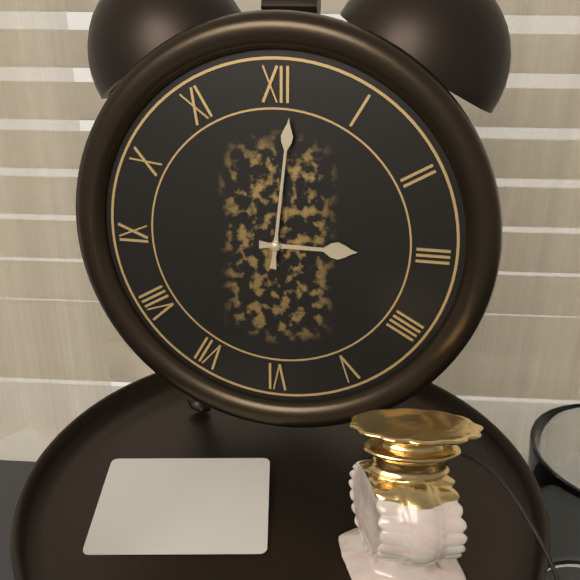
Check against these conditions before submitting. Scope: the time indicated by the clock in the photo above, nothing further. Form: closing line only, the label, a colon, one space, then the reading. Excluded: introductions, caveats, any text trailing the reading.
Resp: 3:01
